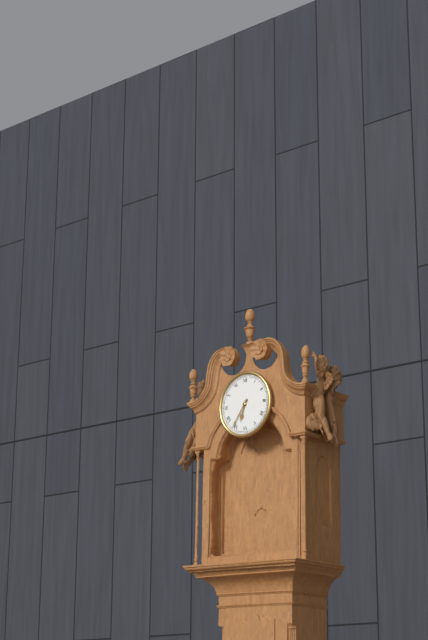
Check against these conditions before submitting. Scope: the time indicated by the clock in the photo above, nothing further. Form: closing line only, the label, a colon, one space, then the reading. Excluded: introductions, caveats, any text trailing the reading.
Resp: 6:36
